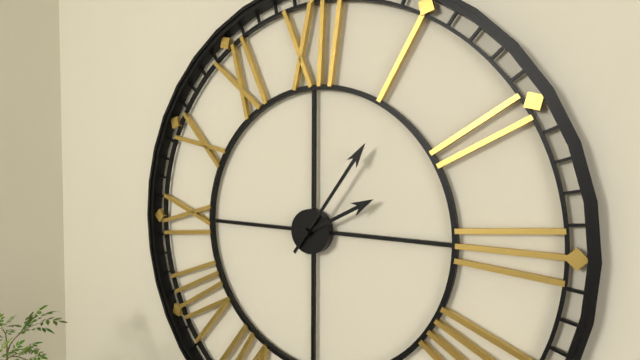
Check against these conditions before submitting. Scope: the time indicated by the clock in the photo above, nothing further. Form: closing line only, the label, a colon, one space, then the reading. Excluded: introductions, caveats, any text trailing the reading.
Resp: 2:06
